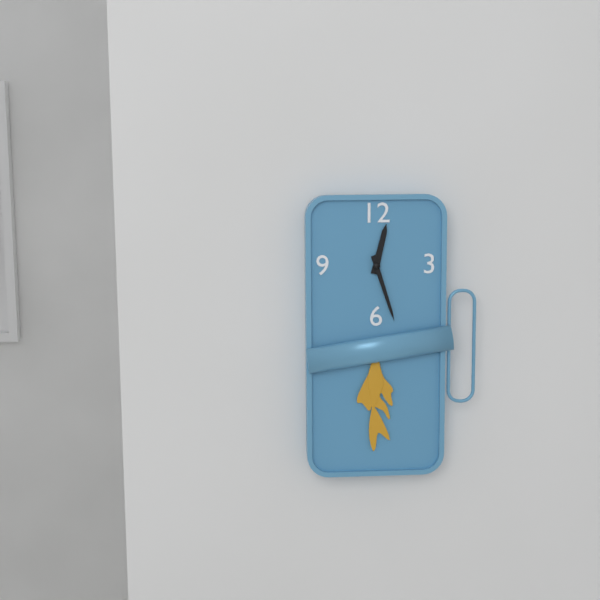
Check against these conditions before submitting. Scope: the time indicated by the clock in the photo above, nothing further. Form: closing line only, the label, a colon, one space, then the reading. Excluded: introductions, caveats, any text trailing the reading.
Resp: 12:27
